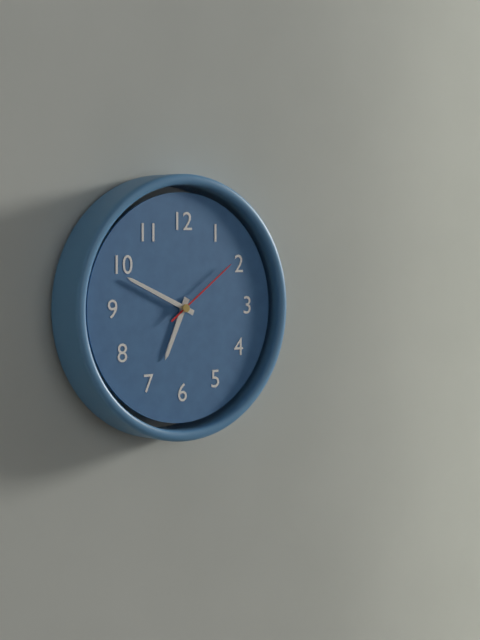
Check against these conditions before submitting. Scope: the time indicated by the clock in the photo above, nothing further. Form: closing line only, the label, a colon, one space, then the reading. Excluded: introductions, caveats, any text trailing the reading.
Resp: 6:49:09
